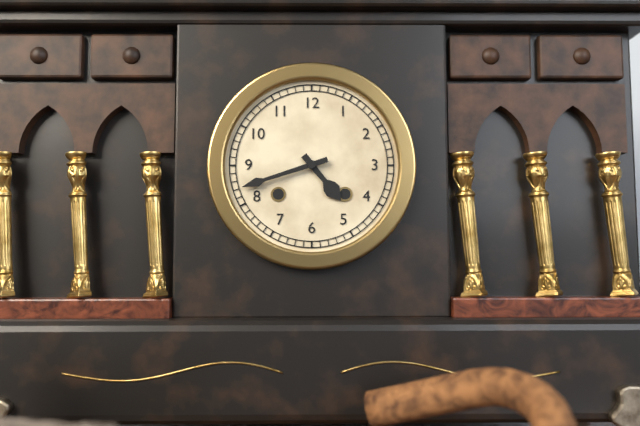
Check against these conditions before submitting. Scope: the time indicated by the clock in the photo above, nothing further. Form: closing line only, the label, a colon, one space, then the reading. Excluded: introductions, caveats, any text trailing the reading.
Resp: 4:42
